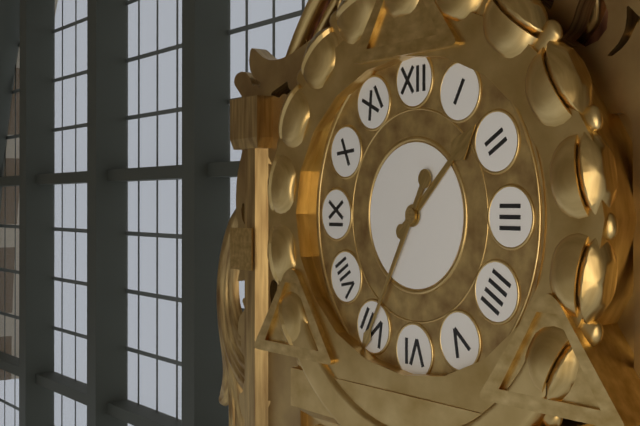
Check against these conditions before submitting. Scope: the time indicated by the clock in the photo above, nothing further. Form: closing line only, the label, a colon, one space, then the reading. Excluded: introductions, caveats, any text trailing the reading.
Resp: 1:35
